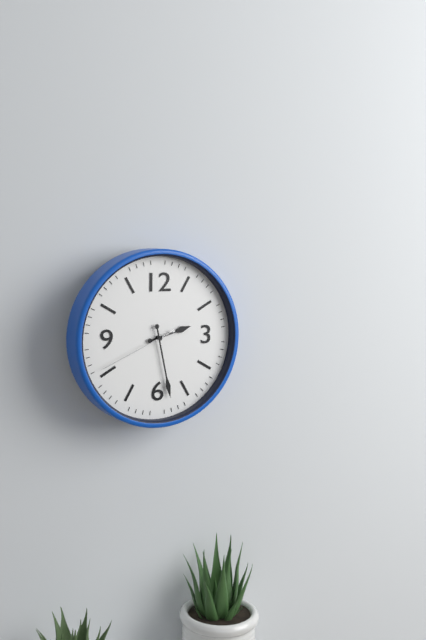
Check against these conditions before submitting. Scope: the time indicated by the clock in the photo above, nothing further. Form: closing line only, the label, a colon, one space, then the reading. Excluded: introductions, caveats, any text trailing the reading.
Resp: 2:28:41
